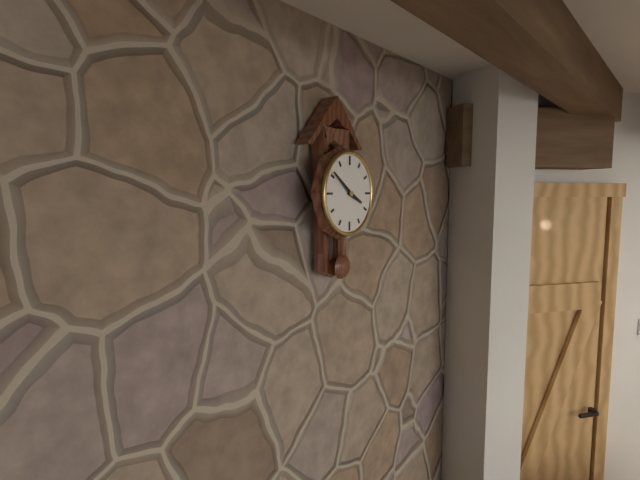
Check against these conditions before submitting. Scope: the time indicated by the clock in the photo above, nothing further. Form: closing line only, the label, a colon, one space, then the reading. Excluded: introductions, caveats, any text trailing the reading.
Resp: 3:51
